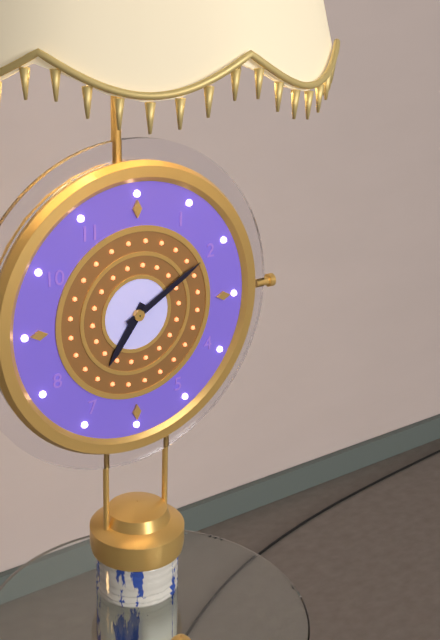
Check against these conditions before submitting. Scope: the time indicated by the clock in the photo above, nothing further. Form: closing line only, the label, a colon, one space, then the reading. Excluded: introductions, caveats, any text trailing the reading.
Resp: 7:10
